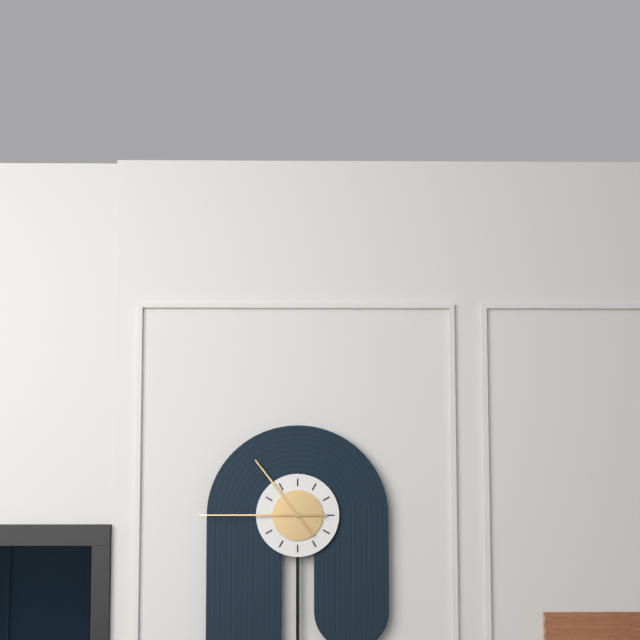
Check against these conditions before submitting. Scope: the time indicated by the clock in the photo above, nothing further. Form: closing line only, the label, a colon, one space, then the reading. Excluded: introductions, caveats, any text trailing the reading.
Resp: 10:45
